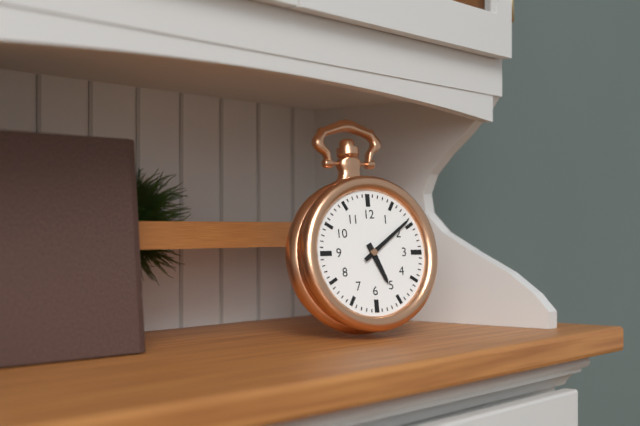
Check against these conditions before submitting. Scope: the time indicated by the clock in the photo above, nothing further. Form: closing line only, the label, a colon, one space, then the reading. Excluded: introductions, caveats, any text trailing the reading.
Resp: 5:09
